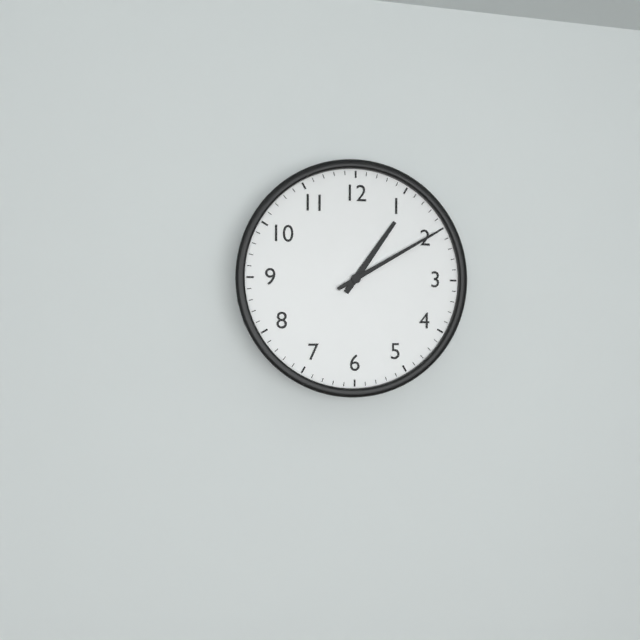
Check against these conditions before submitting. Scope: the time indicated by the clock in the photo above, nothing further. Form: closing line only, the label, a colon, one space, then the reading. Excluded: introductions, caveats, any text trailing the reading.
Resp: 1:10
